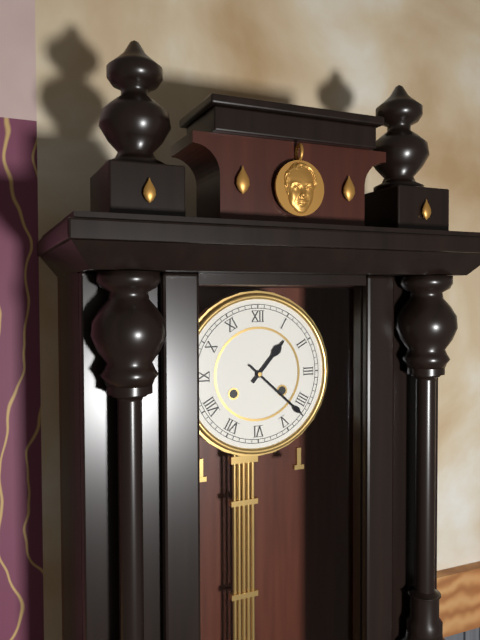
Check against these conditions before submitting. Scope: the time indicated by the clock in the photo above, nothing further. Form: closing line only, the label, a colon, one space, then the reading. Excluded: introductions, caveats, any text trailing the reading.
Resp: 1:22
